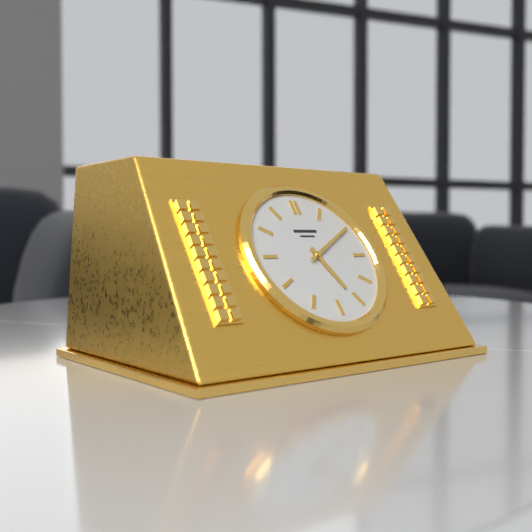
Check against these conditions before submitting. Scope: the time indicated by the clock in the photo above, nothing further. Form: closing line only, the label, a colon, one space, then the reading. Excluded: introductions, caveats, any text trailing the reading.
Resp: 5:10
